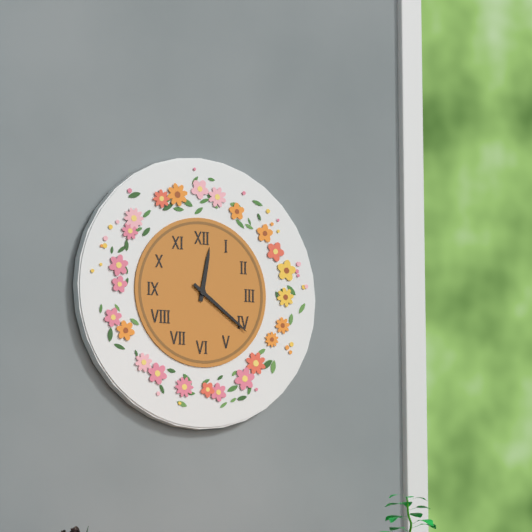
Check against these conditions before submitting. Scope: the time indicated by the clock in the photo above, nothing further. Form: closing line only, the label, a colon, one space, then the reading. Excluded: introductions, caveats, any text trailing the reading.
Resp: 12:21
